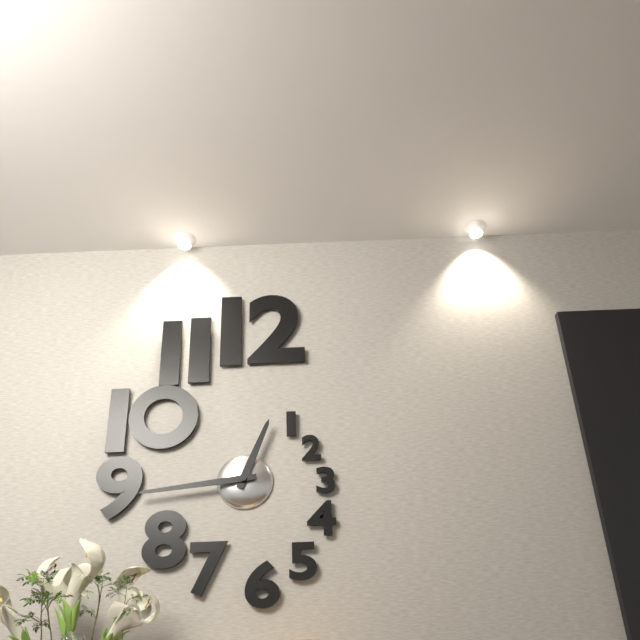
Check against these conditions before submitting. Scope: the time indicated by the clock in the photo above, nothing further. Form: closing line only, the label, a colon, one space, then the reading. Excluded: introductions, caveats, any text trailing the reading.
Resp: 12:44
